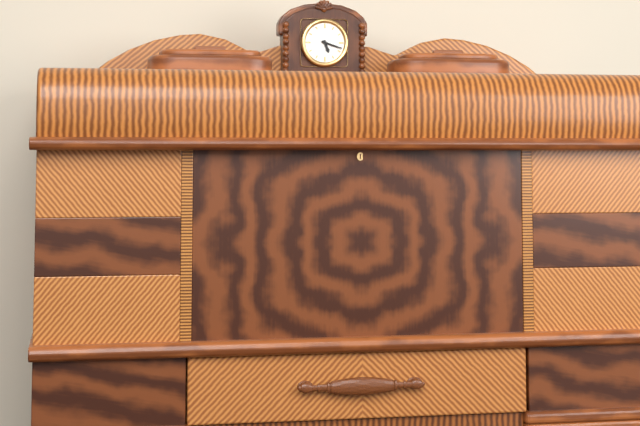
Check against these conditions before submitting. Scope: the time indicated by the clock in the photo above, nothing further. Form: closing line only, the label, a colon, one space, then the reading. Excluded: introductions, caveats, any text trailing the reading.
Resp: 5:18
